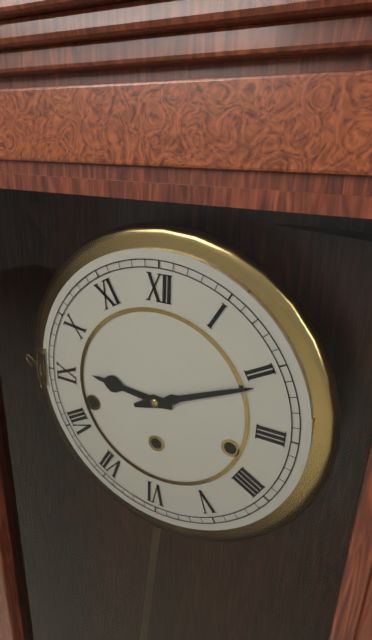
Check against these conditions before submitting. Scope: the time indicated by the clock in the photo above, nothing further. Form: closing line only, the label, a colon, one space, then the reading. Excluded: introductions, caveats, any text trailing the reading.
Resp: 9:11
